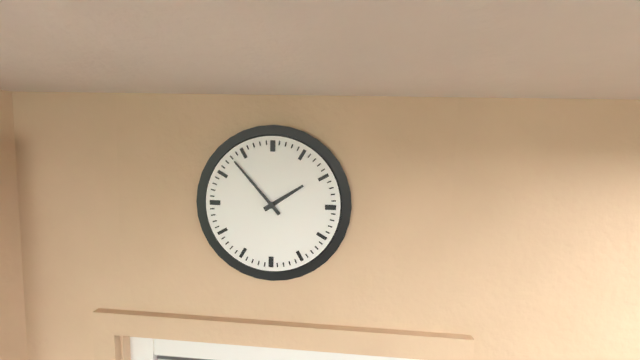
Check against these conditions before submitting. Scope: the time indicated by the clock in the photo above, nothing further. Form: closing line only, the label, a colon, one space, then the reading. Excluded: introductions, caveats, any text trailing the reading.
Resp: 1:53
